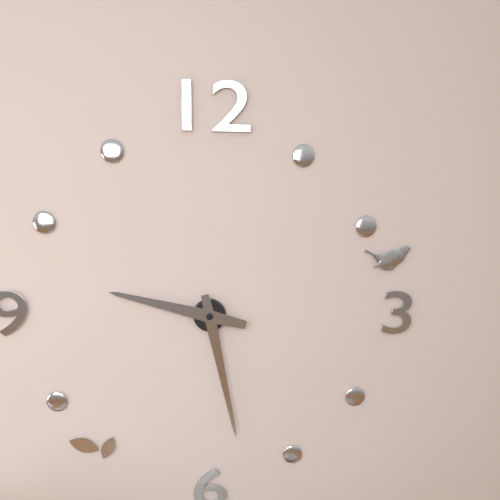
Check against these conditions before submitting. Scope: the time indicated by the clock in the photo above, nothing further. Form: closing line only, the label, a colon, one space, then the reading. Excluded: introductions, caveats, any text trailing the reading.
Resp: 9:28
